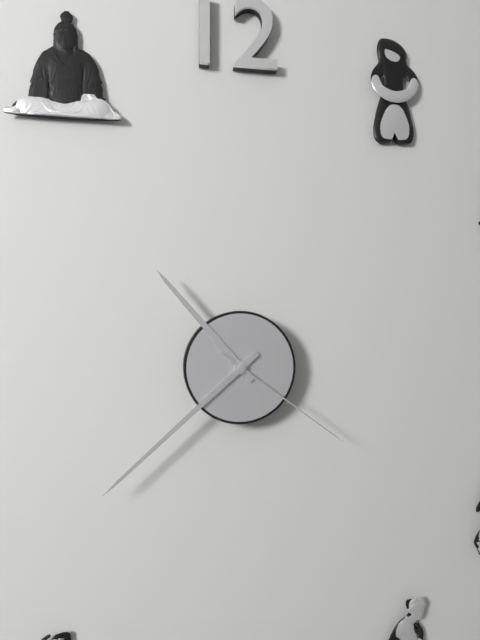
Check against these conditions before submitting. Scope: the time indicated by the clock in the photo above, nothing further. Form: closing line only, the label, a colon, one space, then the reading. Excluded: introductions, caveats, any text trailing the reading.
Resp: 10:38:21
